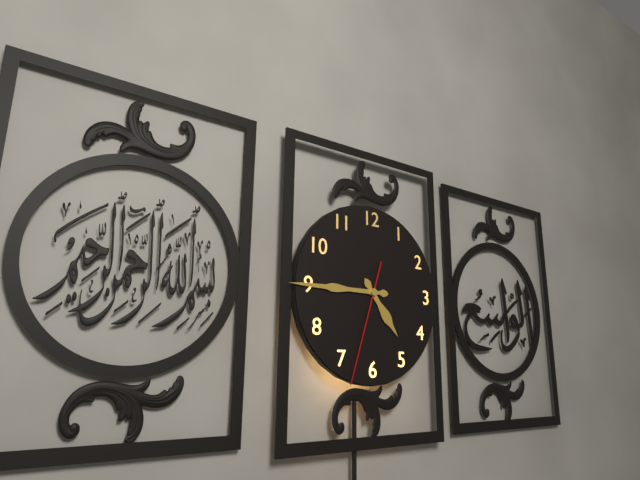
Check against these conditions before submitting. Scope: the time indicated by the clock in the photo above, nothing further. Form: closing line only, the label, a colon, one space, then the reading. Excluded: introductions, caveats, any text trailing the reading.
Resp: 4:45:33
